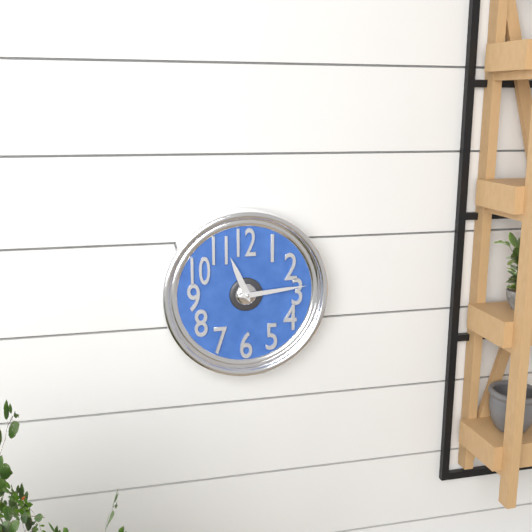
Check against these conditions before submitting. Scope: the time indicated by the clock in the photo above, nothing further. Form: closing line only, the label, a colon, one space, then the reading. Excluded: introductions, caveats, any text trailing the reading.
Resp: 11:14
